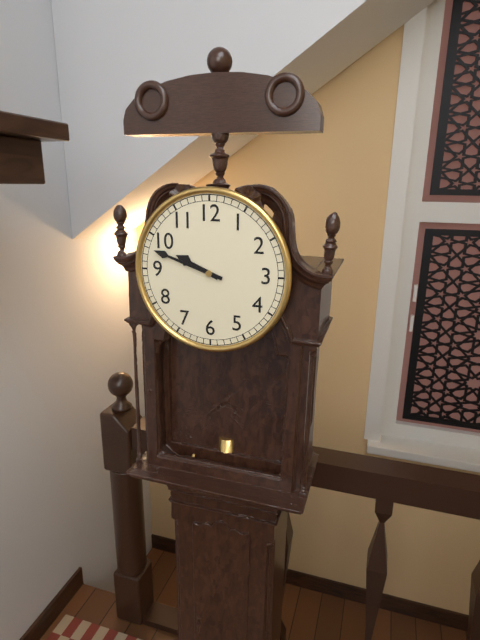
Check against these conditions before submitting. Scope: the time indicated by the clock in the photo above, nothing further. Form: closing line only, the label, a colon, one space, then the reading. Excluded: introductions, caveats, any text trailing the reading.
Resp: 9:48
